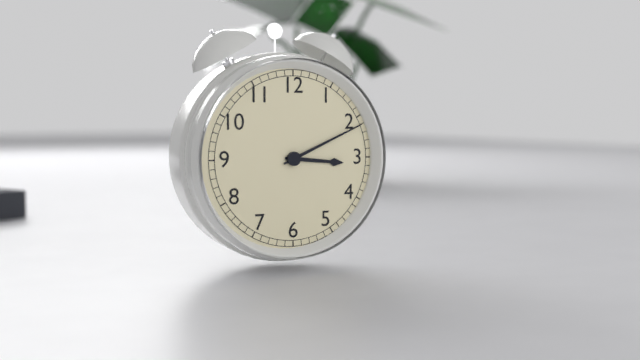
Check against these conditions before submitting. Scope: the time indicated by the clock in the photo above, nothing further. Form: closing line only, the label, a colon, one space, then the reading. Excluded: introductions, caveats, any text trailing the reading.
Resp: 3:11
